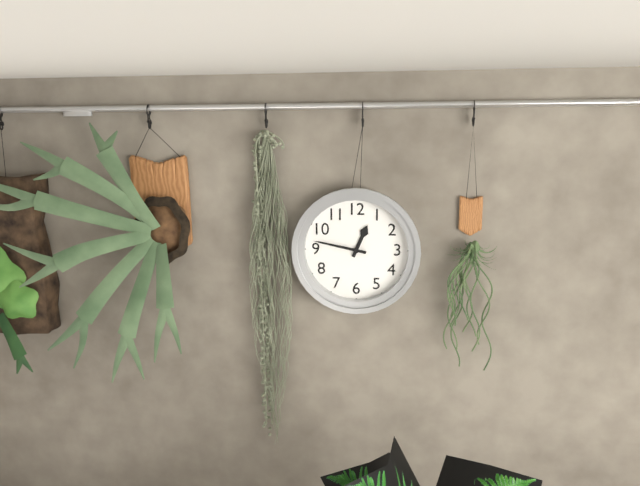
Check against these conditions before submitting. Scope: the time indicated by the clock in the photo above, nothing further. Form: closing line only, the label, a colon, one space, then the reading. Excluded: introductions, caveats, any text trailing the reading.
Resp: 12:47
